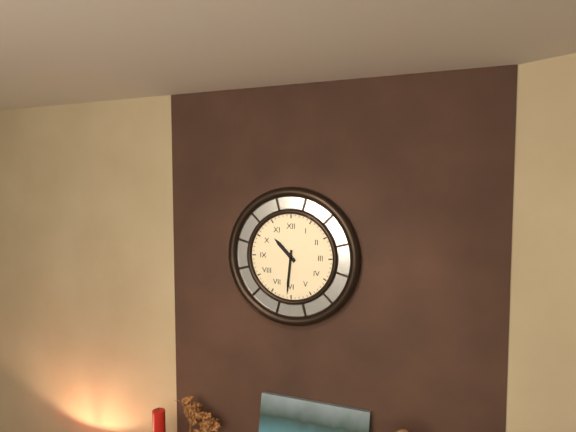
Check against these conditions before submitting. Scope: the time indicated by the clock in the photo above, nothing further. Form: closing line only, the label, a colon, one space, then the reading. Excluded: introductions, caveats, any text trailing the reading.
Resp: 10:31
